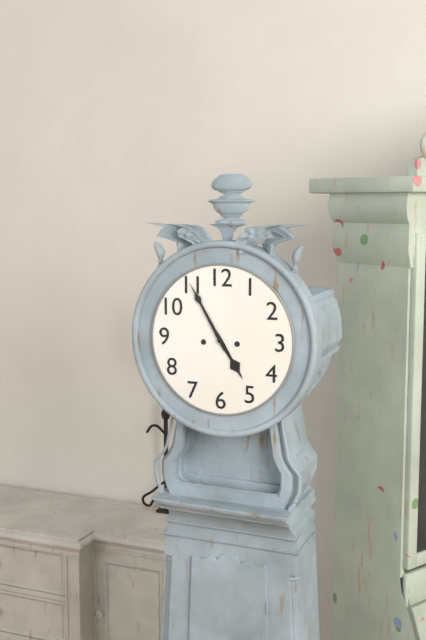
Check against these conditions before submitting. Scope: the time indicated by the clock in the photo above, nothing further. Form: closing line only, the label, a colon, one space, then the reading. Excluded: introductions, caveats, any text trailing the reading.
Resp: 4:55
